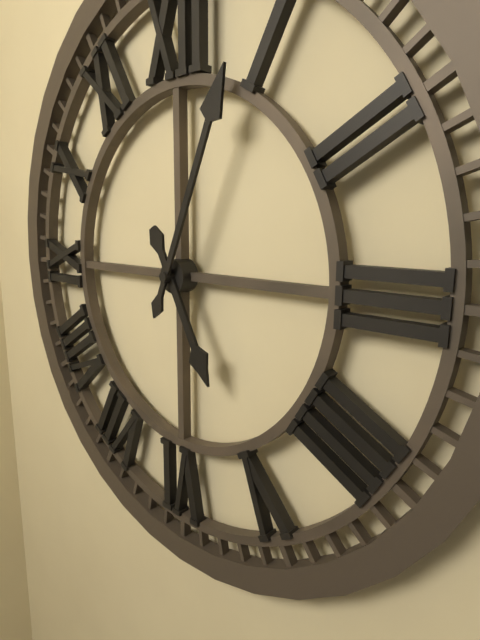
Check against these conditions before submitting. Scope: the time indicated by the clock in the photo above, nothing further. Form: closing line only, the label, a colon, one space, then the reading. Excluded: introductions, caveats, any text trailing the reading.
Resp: 5:04
